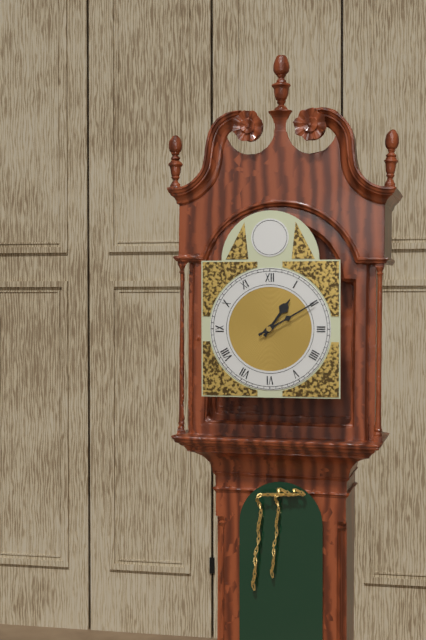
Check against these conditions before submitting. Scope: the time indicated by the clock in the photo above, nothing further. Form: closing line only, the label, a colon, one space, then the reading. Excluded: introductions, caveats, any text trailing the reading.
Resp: 1:10
